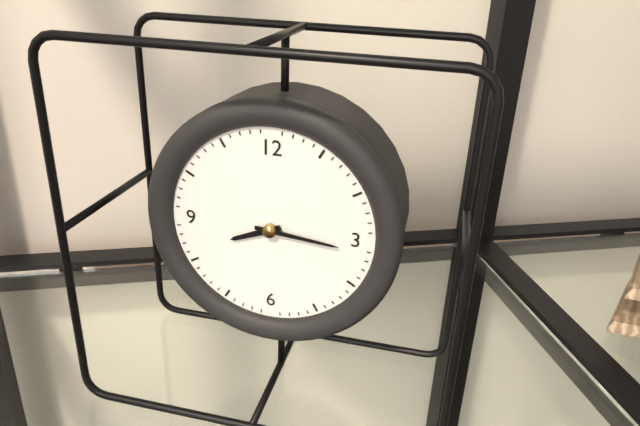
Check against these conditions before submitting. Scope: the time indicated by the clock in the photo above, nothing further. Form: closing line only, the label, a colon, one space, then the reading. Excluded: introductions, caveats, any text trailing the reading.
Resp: 8:16
